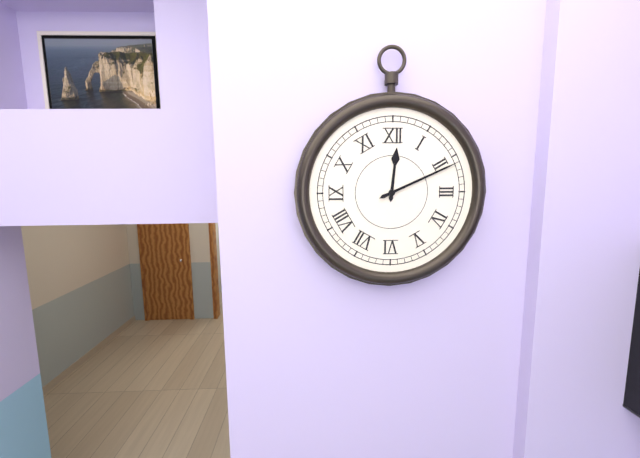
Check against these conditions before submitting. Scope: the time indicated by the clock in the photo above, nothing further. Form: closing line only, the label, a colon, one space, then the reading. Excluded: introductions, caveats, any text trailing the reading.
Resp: 12:11
